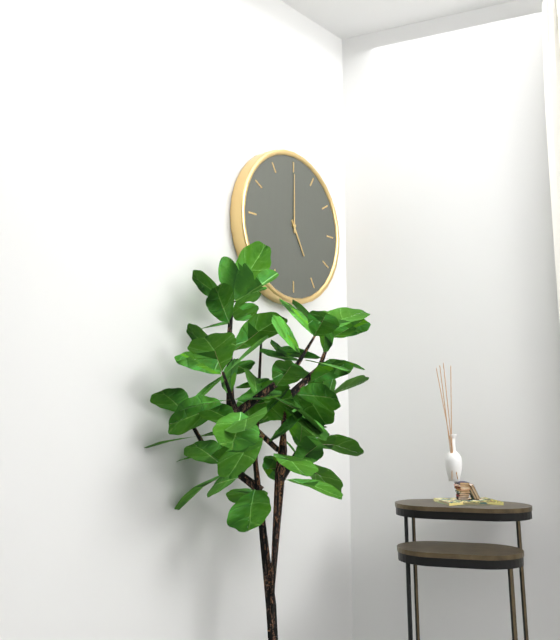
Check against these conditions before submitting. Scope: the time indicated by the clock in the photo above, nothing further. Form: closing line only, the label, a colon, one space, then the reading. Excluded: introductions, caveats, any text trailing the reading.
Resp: 5:00
